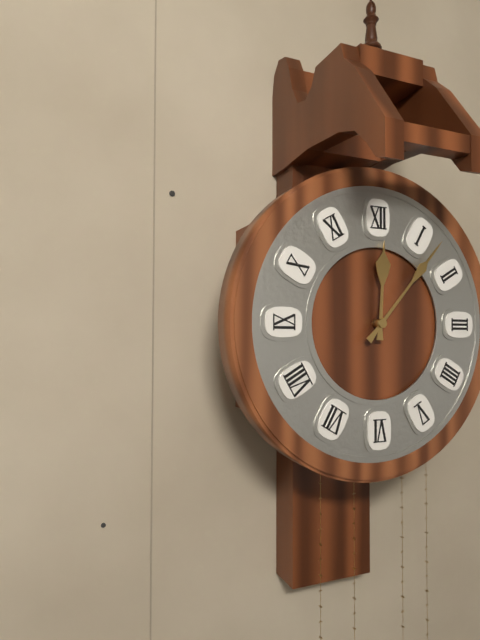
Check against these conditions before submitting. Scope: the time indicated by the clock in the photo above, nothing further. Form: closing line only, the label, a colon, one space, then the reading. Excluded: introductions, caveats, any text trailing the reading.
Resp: 12:07
